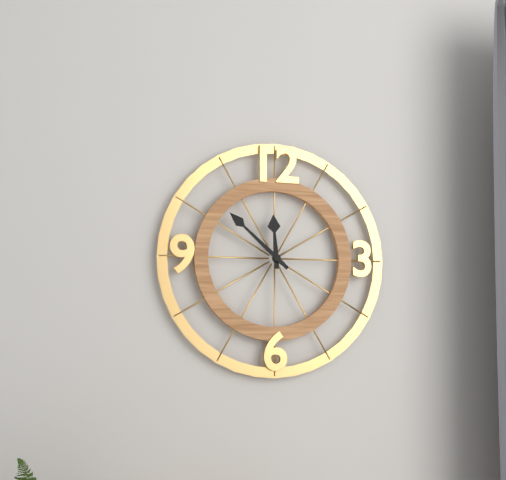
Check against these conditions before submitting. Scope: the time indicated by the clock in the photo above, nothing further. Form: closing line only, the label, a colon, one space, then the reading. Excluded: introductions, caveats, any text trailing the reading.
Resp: 11:52
